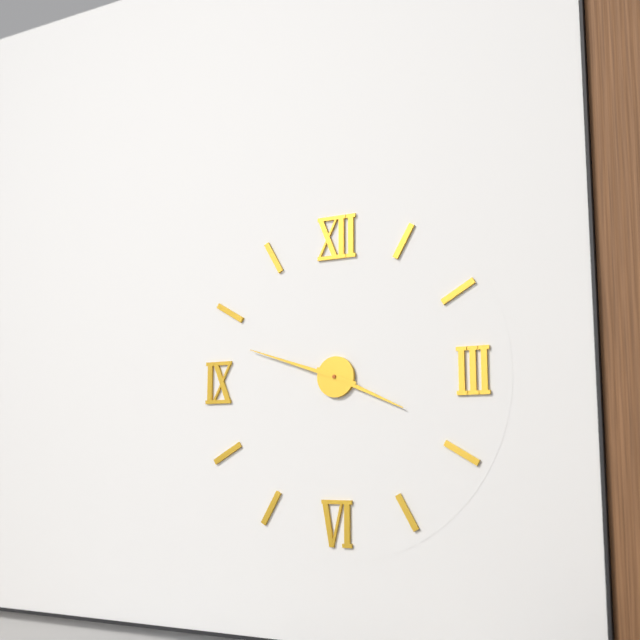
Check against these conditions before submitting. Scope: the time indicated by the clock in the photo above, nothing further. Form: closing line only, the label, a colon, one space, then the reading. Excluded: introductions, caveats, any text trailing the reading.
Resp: 3:48
